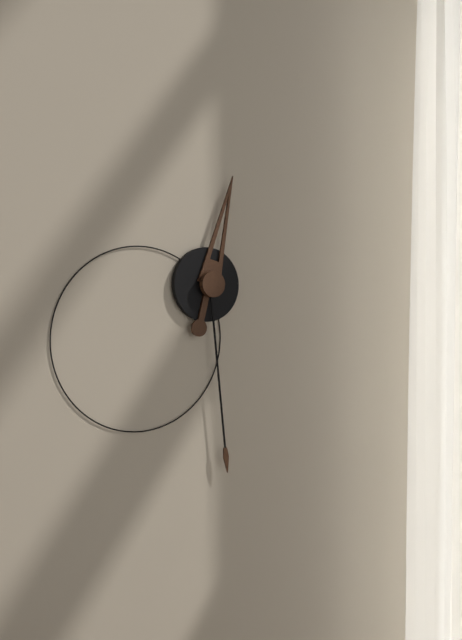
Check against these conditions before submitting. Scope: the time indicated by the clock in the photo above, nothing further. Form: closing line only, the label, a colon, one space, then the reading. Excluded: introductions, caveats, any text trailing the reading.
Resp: 12:29
